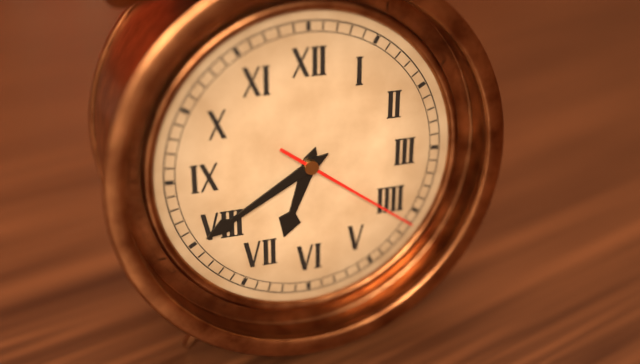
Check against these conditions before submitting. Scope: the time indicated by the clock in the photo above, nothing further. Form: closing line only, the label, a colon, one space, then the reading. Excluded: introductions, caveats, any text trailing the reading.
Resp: 6:40:21
